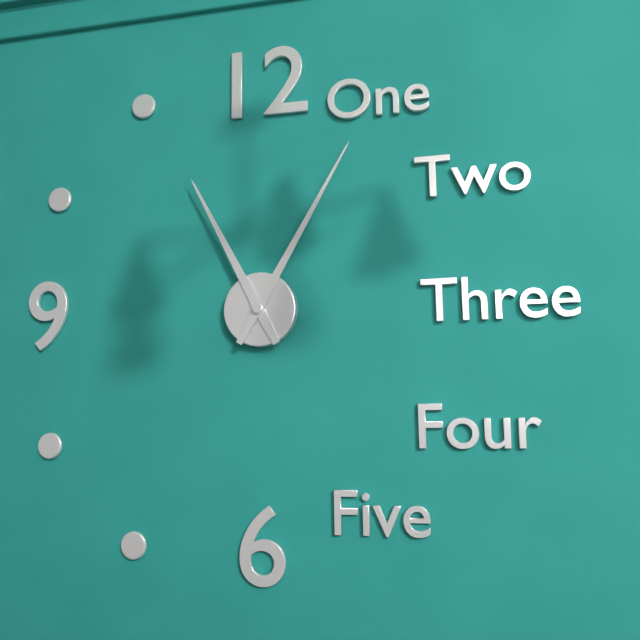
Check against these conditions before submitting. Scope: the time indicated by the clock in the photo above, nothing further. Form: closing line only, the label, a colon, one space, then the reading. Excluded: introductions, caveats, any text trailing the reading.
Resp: 11:05
